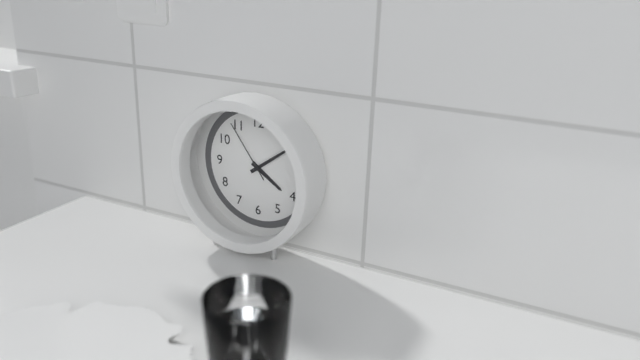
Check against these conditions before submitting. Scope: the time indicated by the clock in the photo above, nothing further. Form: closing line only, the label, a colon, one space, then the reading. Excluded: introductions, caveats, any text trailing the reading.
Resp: 4:09:54
